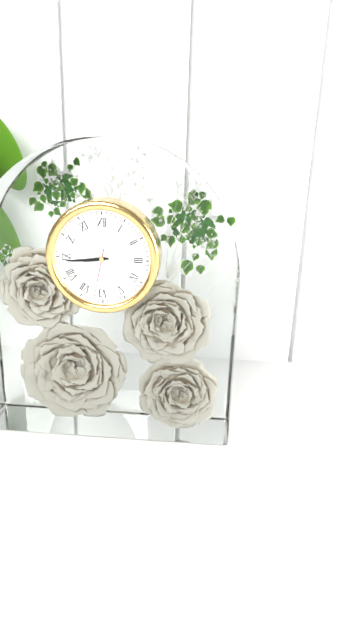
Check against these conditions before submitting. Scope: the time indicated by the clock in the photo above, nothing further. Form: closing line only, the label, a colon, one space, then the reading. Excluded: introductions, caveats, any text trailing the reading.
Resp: 8:44
